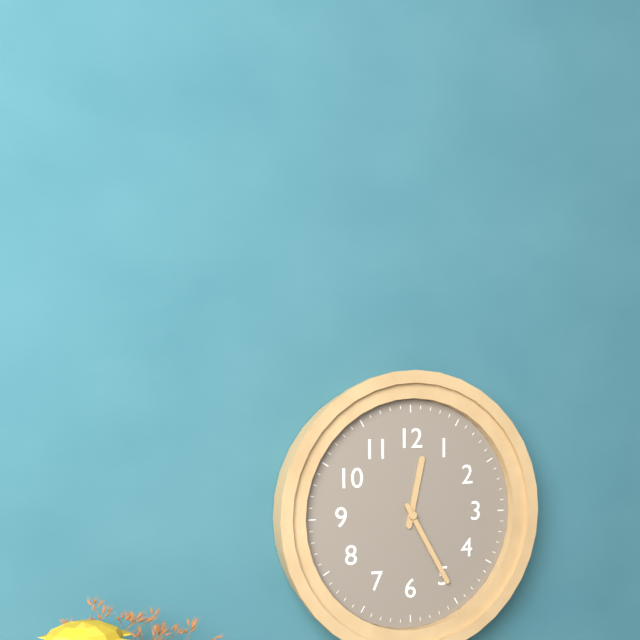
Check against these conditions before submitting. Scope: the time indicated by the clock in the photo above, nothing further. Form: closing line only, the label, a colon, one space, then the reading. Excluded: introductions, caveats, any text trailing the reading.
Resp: 12:25
